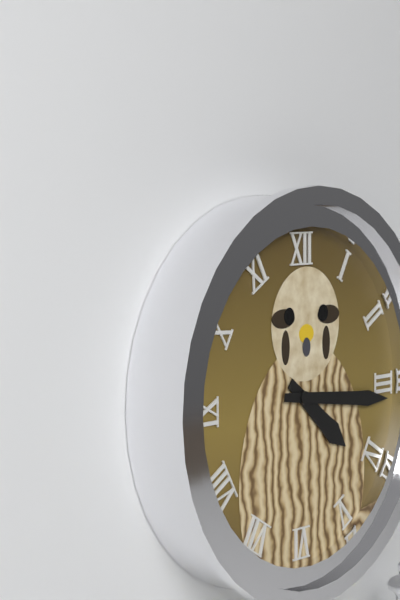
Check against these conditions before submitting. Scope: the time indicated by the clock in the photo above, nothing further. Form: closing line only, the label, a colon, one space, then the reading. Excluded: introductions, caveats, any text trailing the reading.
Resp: 4:16
